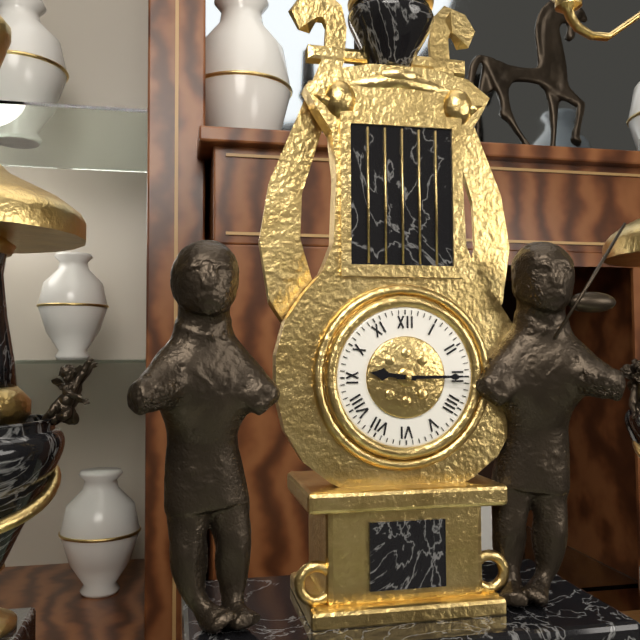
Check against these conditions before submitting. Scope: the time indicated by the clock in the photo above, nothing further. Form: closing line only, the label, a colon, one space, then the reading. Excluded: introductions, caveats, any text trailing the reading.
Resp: 9:15
